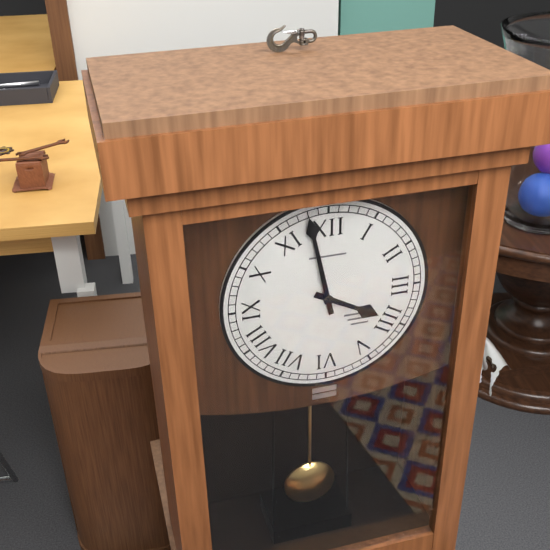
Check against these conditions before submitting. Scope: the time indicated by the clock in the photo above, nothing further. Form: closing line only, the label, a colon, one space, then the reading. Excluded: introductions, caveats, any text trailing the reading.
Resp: 3:58
